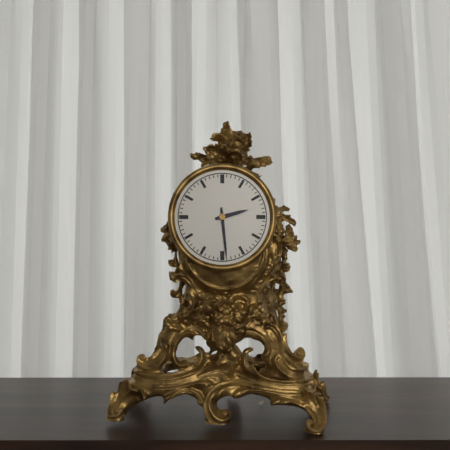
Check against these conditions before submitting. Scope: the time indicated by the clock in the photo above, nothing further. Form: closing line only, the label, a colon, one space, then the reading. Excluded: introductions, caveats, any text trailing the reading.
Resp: 2:29
